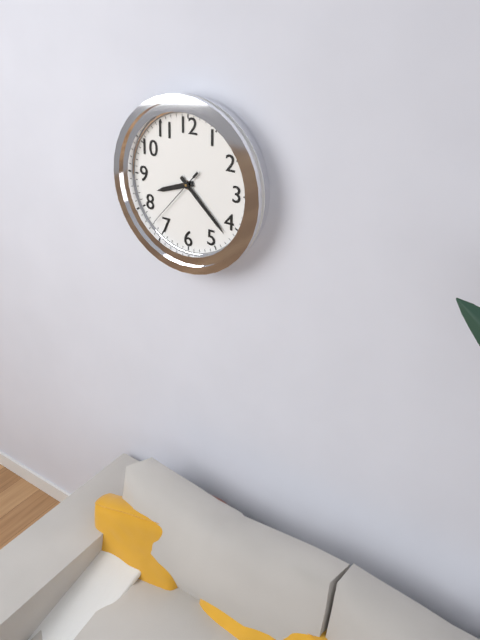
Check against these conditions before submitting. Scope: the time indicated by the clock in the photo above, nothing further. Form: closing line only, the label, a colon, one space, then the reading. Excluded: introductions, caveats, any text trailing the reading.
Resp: 8:22:37
